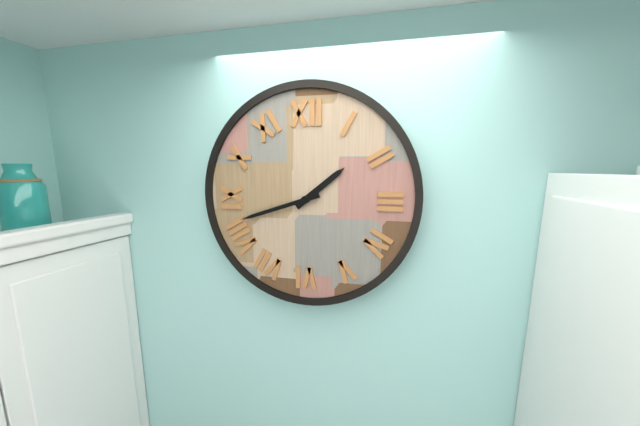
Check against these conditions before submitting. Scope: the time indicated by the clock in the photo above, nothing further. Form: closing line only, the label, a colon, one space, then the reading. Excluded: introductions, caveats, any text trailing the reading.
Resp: 1:42
